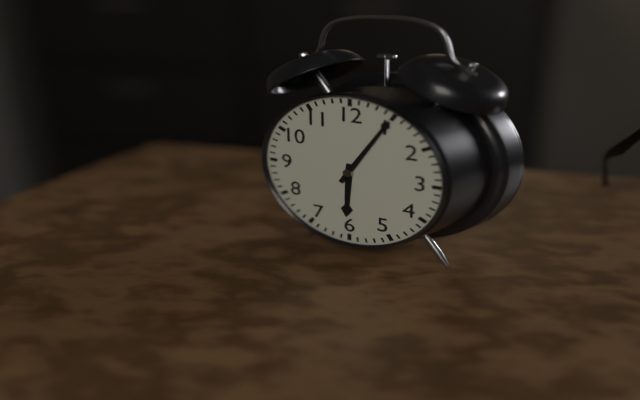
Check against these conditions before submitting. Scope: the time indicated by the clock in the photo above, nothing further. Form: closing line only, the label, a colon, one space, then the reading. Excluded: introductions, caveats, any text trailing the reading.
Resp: 6:05
